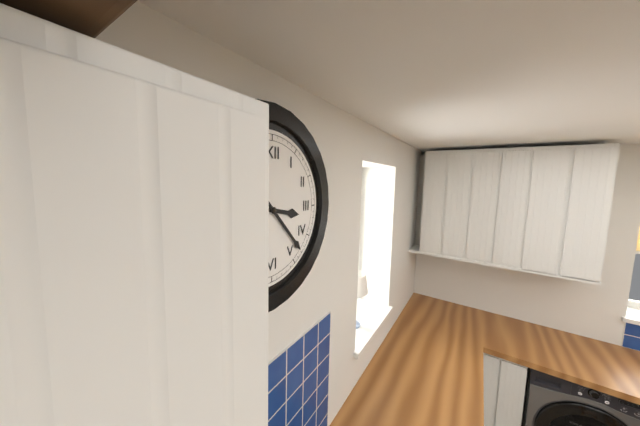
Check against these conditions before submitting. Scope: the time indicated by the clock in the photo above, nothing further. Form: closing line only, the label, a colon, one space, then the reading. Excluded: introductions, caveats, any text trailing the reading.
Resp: 3:23
